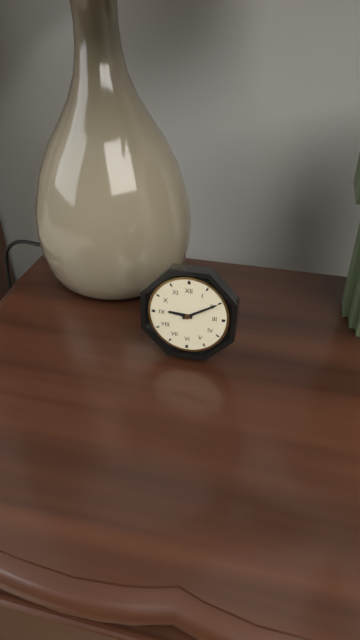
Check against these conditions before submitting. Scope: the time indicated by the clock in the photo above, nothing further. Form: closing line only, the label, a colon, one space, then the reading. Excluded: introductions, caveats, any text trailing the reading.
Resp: 9:10
